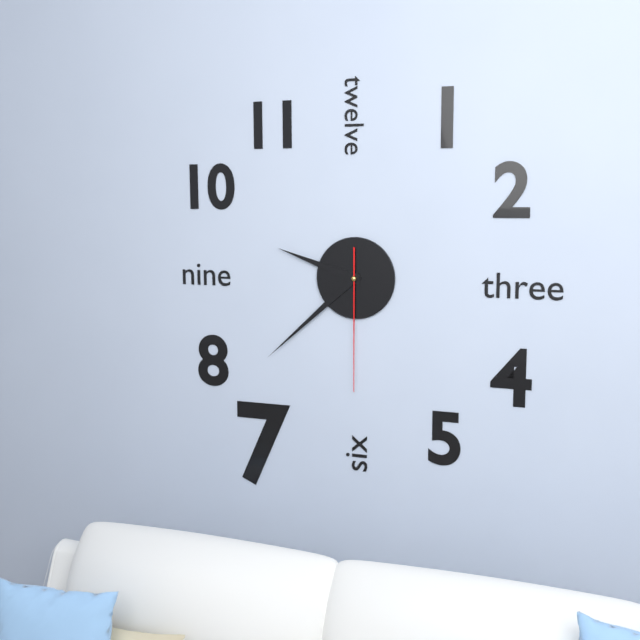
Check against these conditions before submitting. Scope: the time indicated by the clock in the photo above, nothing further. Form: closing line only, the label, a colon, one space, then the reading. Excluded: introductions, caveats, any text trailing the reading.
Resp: 9:38:30
